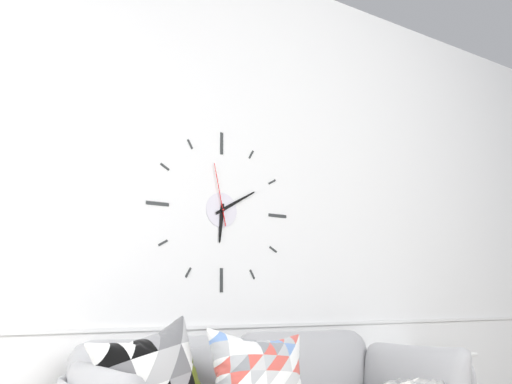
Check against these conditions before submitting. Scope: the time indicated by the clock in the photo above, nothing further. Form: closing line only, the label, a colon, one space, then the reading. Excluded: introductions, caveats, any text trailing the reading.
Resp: 6:10:58
